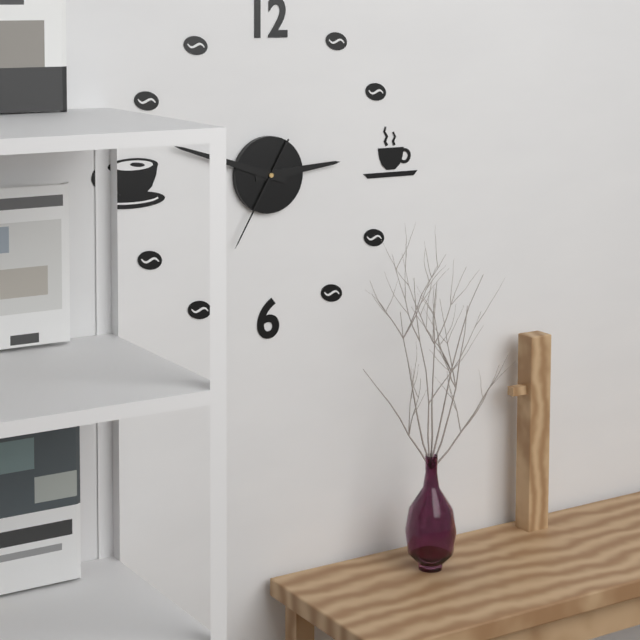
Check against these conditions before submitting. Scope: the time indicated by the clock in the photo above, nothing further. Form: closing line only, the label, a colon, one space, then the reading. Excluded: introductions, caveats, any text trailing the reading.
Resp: 2:48:35
